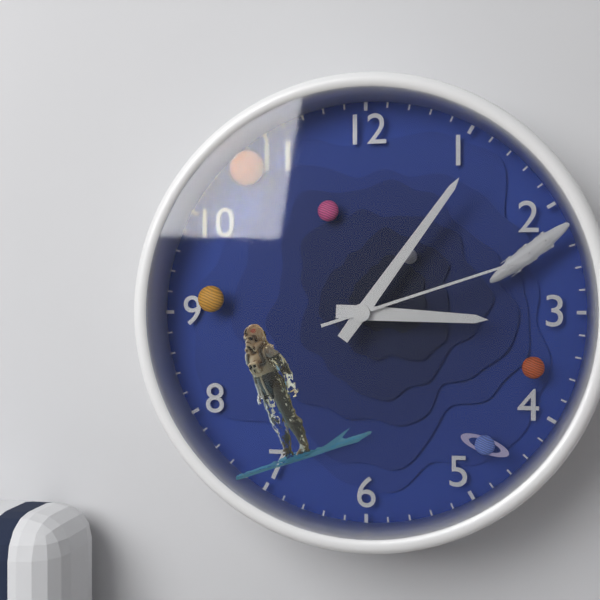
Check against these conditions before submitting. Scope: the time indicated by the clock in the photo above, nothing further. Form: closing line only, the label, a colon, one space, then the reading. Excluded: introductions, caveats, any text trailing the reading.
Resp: 3:06:12
